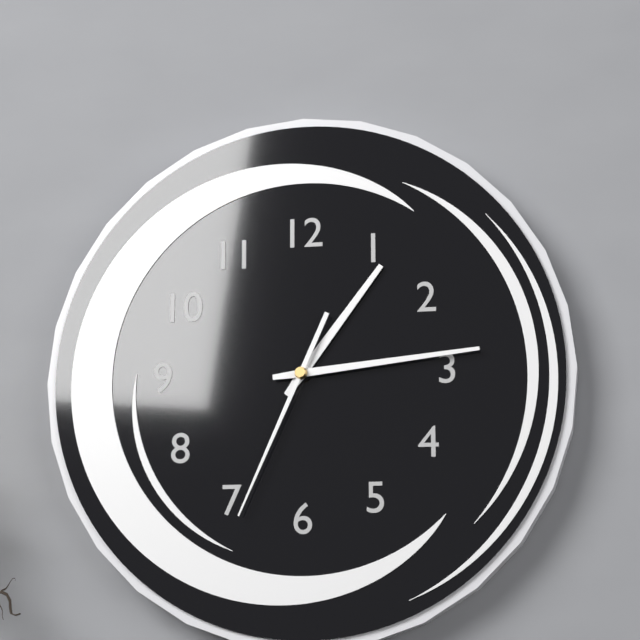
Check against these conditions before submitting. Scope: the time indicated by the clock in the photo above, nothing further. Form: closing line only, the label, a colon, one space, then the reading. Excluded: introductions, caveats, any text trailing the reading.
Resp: 1:14:34
